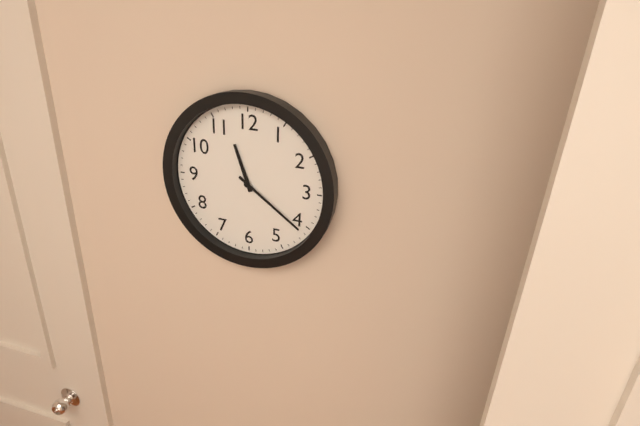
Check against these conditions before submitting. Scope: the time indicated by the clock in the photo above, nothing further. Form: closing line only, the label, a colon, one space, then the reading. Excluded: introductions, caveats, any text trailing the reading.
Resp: 11:21
